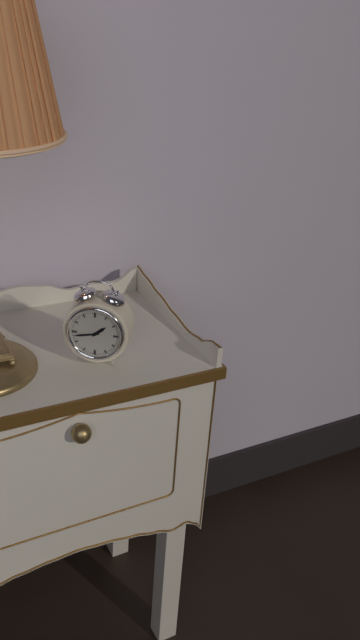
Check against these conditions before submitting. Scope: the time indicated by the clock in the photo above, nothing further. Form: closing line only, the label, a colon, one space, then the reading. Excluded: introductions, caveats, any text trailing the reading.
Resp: 1:43
